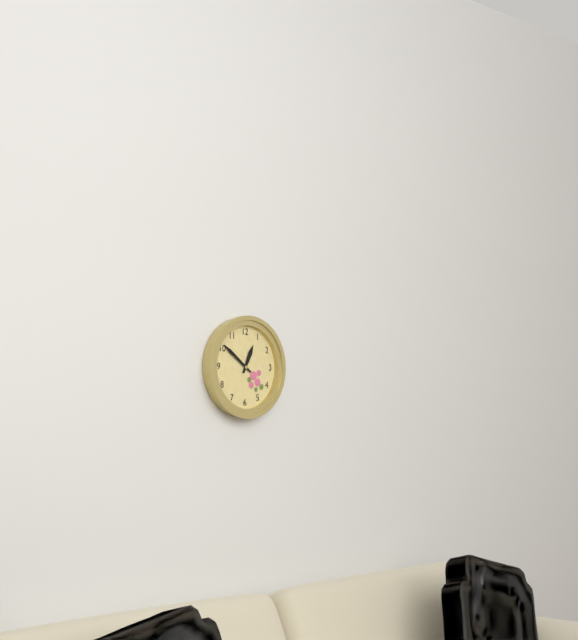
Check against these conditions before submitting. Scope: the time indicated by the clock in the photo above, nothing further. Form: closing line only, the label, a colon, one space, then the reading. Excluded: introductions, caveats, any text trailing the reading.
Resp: 12:51
